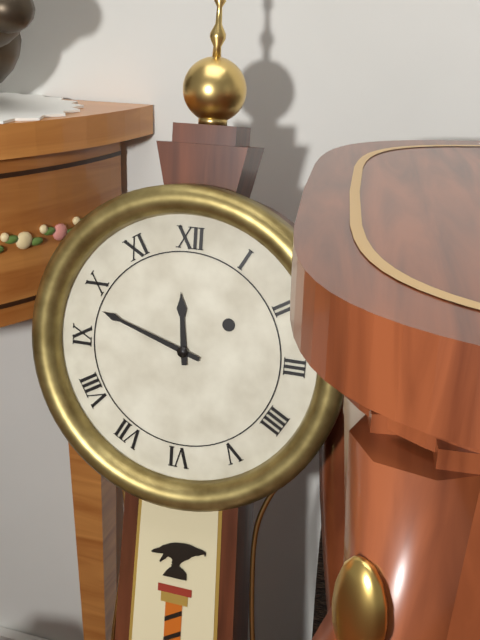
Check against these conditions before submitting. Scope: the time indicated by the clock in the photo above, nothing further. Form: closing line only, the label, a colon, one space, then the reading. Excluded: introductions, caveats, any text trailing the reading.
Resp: 11:48
